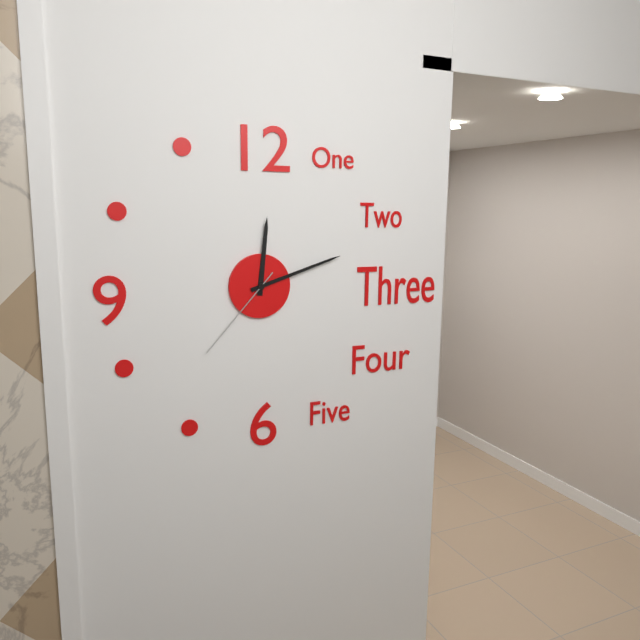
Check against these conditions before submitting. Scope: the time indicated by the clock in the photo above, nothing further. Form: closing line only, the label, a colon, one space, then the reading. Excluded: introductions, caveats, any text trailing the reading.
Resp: 12:12:37
